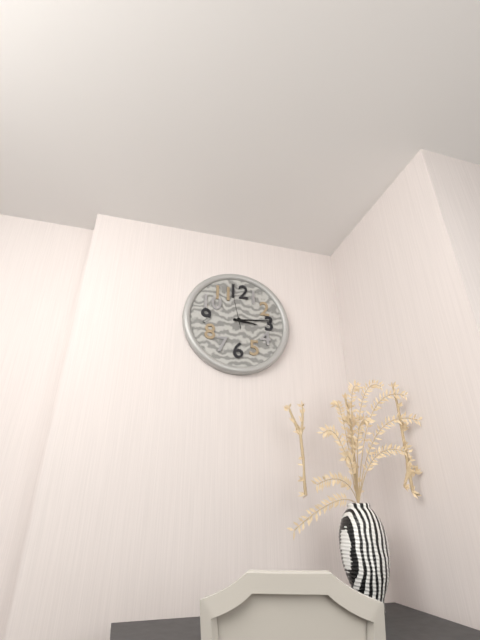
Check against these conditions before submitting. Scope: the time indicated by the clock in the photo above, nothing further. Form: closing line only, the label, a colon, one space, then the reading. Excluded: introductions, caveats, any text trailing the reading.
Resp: 3:14
